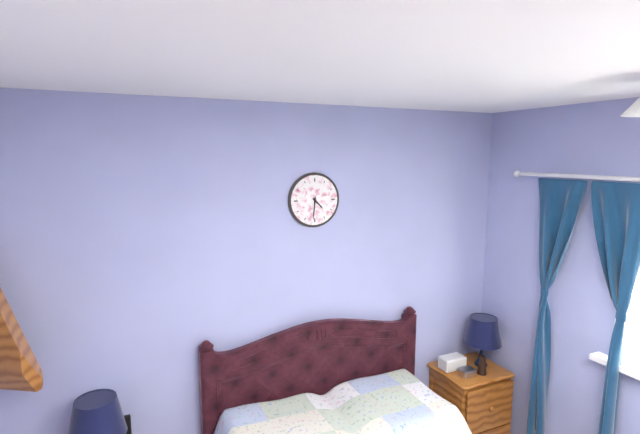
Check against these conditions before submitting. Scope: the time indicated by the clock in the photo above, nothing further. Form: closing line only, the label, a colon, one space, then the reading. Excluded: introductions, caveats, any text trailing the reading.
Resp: 4:31
